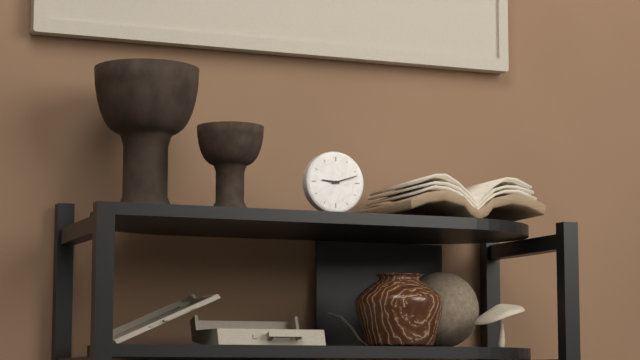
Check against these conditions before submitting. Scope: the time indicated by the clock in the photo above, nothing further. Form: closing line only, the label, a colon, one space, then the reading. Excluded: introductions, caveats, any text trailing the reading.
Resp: 9:12
